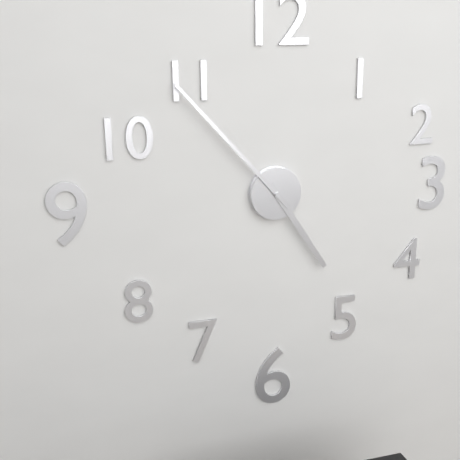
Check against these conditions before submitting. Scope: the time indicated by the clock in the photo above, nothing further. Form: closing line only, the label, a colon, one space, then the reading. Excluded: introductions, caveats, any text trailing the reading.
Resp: 4:53
